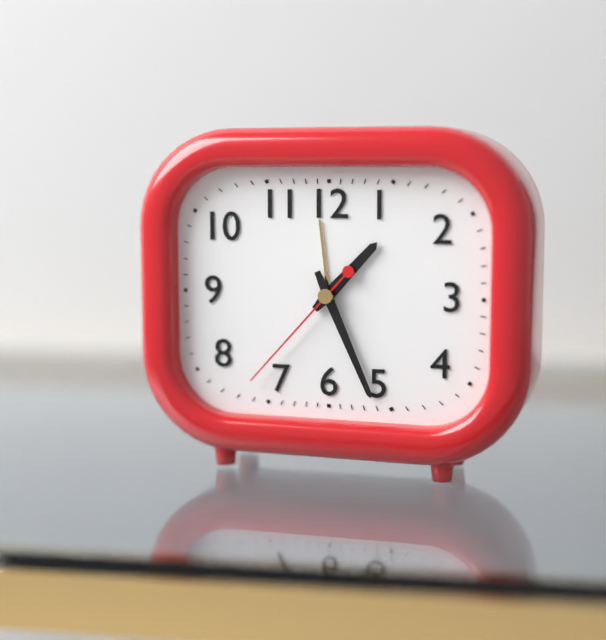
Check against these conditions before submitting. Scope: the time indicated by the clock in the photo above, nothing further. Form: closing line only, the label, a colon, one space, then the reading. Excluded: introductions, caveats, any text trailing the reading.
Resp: 1:26:37
